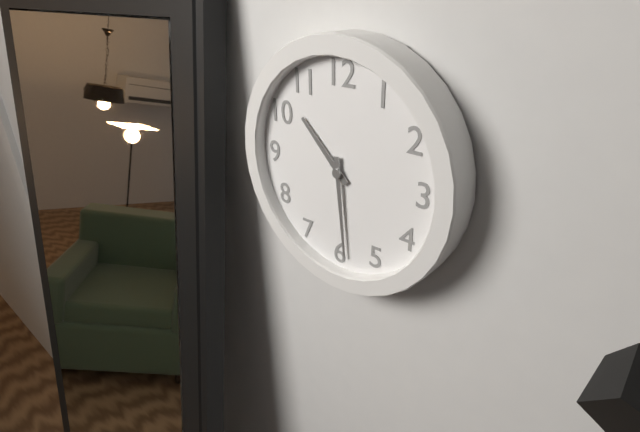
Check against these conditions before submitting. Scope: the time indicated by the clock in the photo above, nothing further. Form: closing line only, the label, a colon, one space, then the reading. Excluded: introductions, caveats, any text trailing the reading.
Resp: 10:29
